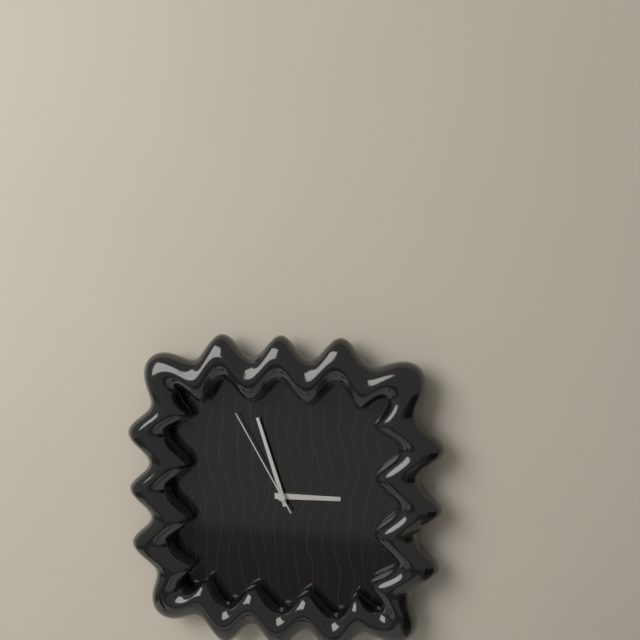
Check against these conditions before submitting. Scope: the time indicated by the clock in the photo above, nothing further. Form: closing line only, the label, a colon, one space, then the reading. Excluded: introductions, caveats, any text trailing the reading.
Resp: 2:57:55
